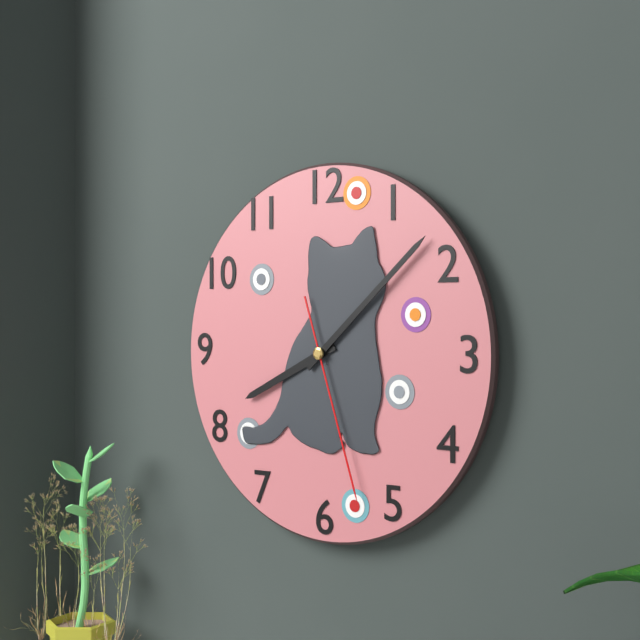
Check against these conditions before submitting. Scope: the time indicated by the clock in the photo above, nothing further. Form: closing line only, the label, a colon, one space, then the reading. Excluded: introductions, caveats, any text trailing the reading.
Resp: 8:08:27
